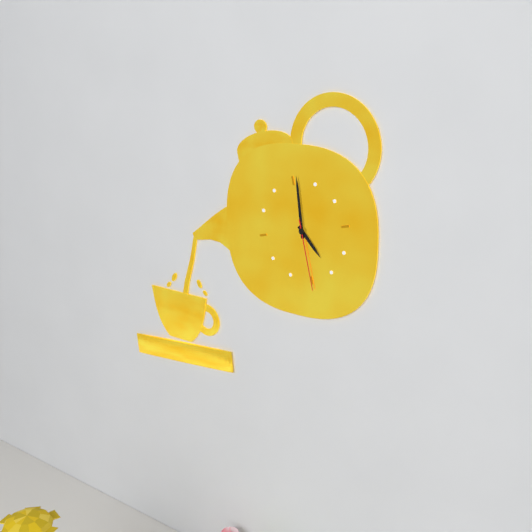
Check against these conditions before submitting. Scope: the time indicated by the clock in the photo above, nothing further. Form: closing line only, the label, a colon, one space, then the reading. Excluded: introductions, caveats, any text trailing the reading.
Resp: 5:01:30
